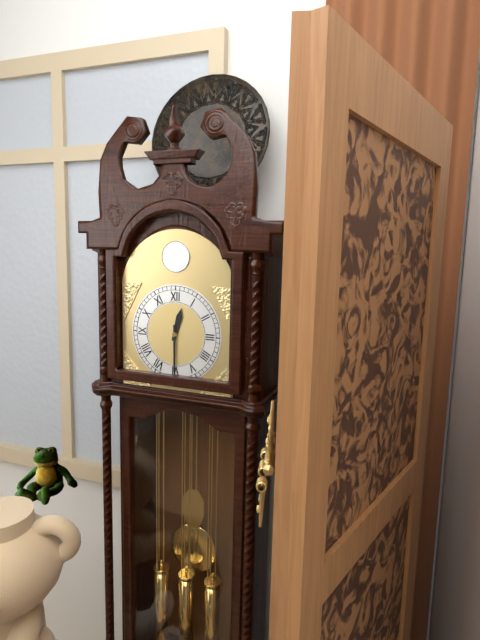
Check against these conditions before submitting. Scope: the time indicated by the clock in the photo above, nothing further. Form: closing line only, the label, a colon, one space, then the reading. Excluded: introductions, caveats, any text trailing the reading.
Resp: 12:30
